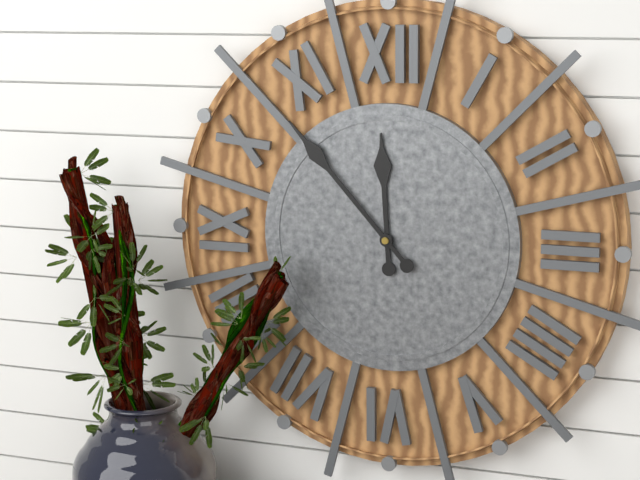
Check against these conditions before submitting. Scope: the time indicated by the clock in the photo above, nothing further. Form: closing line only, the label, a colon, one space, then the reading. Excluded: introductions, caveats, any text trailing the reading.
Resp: 11:53
